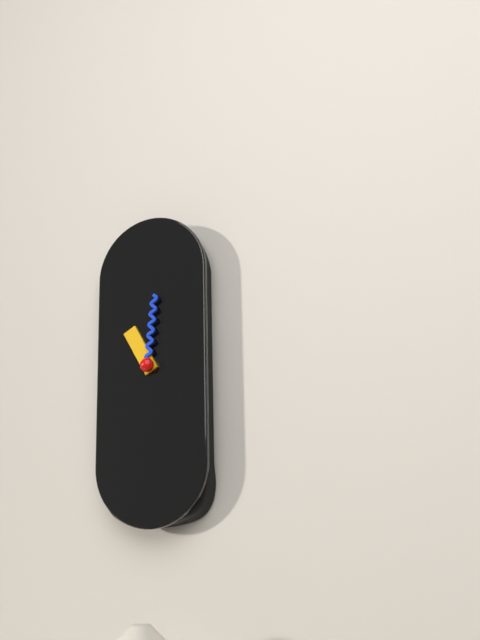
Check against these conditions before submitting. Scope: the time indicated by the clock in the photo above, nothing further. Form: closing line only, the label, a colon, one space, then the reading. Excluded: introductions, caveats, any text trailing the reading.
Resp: 11:01
